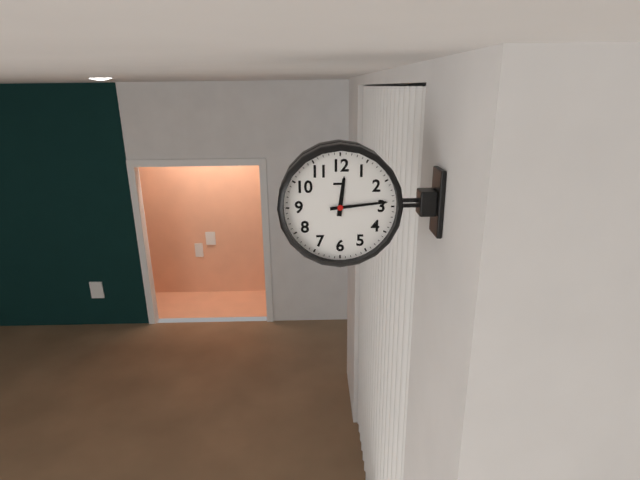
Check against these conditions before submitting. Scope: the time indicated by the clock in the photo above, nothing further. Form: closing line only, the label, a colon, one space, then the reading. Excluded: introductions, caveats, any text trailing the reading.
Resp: 12:14
